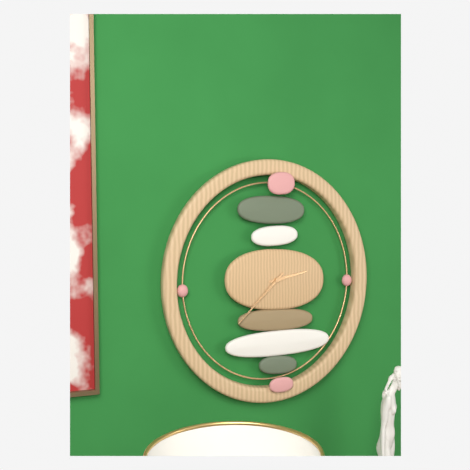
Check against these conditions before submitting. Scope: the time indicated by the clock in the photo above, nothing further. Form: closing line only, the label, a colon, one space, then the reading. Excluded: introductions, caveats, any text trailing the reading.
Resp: 2:38
